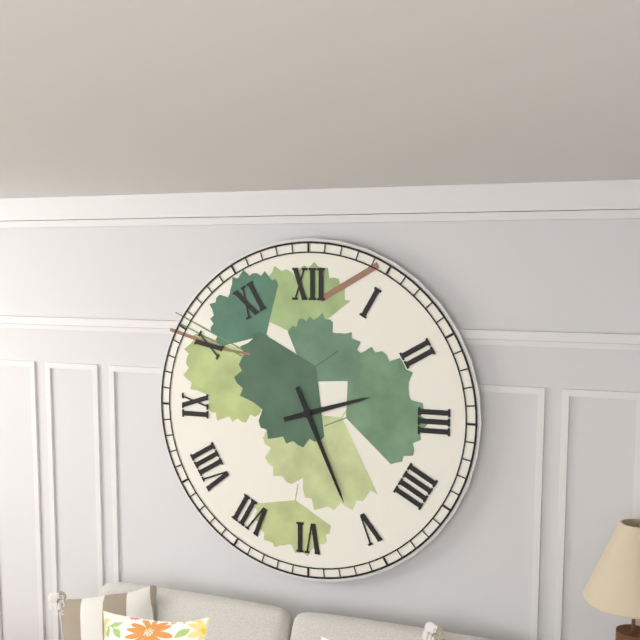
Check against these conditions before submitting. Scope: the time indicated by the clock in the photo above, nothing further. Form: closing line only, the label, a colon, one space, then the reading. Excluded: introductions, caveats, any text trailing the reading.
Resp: 2:26
